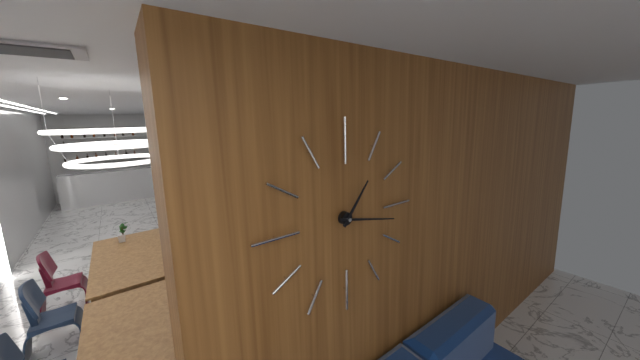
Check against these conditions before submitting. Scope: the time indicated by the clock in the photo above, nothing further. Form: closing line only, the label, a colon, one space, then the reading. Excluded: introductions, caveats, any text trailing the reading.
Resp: 1:17
